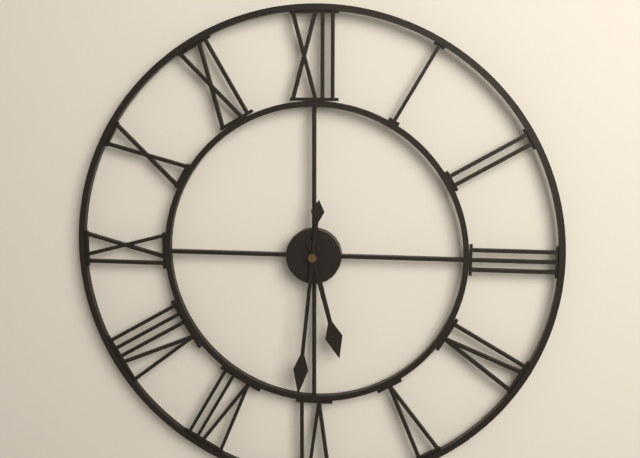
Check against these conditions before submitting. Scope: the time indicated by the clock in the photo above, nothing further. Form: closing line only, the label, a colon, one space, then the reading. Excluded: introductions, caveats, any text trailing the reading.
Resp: 5:31
